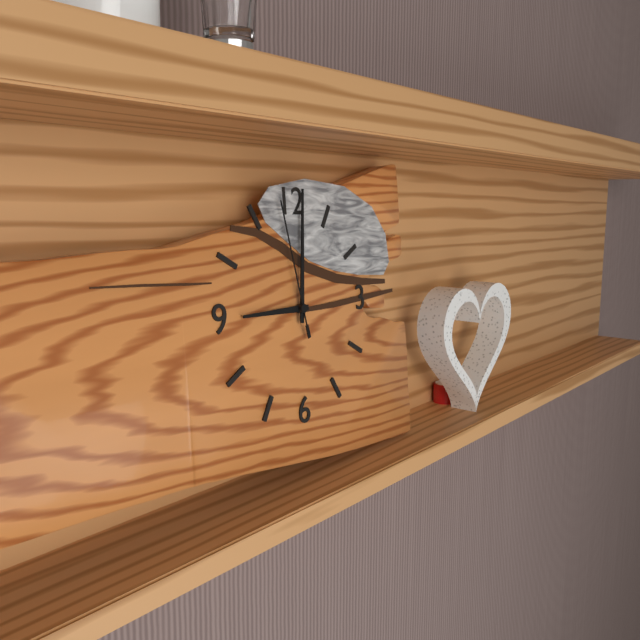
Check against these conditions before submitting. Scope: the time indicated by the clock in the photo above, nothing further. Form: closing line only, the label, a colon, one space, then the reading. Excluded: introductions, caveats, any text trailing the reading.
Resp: 9:01:58
